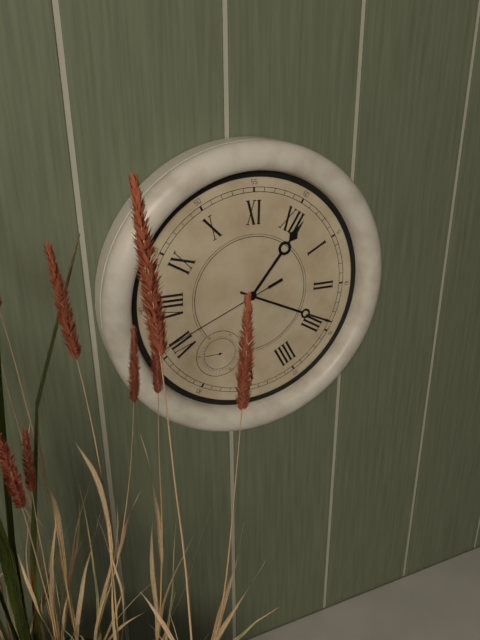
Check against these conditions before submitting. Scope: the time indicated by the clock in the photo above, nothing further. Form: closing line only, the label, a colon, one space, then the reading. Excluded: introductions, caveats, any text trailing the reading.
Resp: 12:14:36
